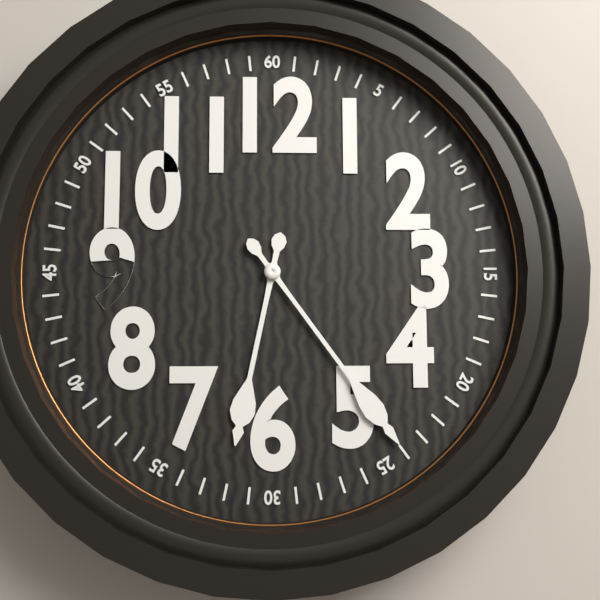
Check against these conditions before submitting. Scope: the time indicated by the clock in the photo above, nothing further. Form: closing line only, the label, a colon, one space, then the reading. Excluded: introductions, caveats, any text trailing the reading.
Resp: 6:24
